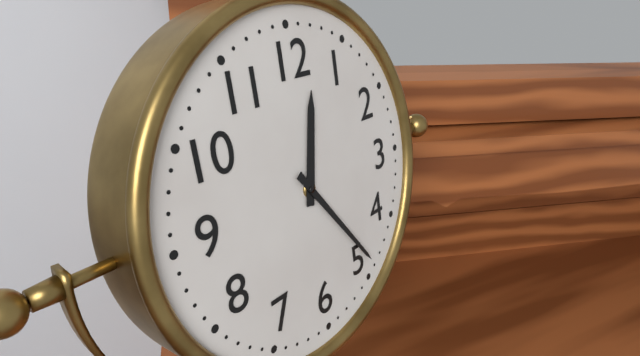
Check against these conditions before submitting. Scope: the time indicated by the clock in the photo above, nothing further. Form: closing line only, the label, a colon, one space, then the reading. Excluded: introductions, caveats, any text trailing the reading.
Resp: 12:24
